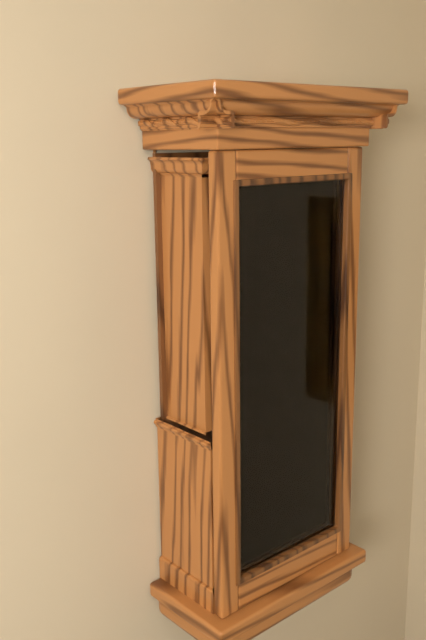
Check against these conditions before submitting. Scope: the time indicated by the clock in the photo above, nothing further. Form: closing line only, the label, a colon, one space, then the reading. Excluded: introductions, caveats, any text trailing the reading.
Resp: 1:57
